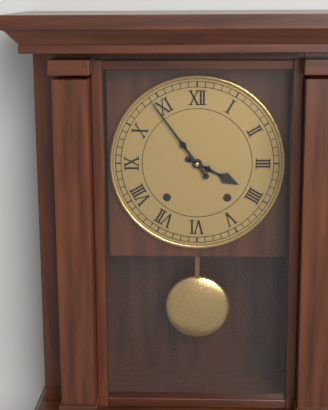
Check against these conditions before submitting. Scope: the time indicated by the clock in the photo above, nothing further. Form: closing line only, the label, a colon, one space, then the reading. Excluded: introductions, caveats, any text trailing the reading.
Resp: 3:54
